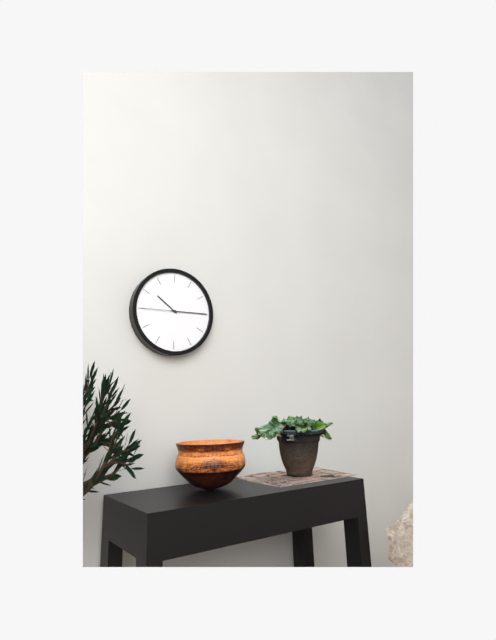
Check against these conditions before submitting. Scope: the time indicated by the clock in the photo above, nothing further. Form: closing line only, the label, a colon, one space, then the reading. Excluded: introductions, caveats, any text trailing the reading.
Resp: 10:15
